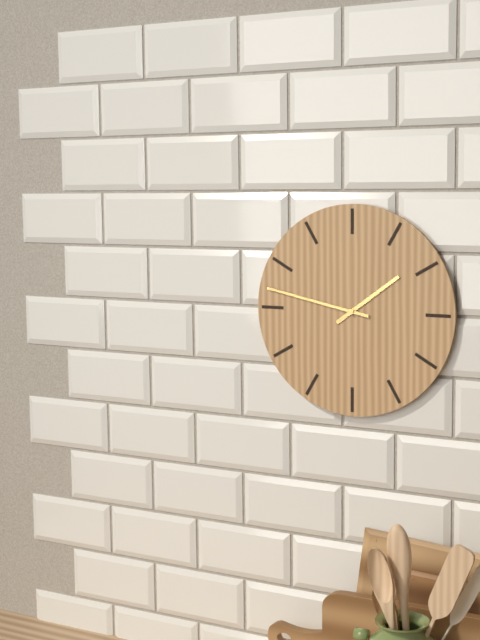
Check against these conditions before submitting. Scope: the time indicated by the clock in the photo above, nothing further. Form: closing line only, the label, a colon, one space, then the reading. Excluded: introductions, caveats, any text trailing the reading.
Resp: 1:47
